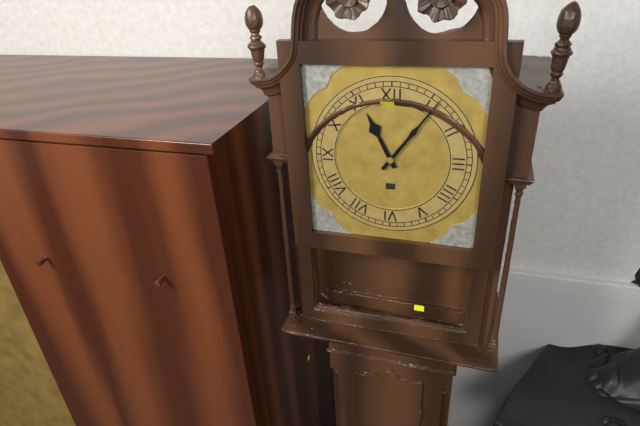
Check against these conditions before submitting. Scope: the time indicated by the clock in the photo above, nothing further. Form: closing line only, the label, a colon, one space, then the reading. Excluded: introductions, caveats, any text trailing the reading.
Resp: 11:06
